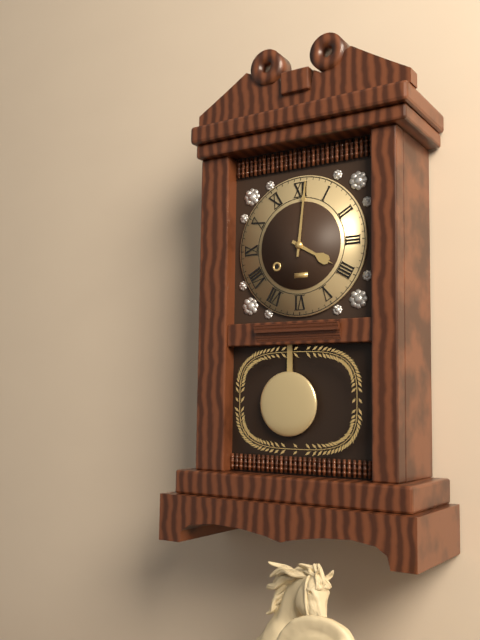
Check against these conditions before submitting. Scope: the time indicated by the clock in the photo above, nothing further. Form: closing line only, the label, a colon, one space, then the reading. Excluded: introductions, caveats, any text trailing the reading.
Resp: 4:01
